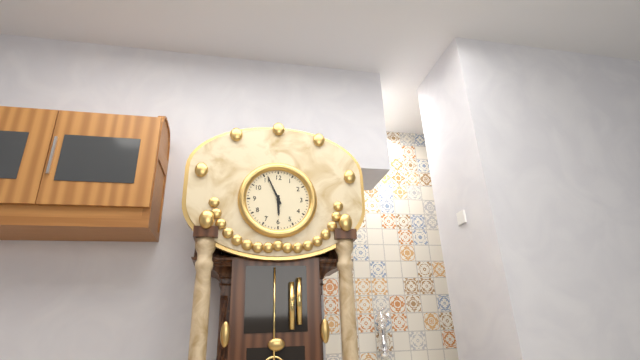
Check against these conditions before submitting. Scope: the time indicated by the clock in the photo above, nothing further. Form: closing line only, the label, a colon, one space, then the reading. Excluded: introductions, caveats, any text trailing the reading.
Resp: 5:56
